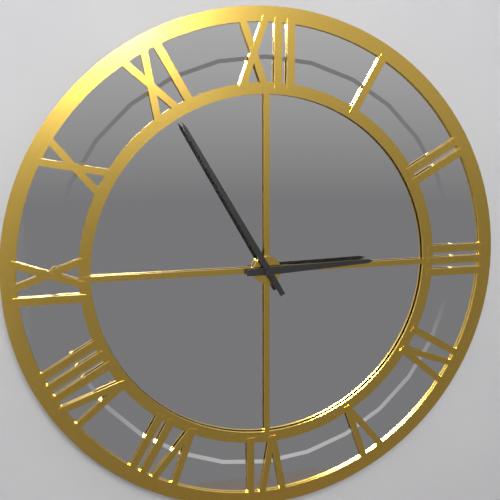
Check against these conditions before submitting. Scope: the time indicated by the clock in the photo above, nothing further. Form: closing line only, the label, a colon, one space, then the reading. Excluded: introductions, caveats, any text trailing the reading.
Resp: 2:55
